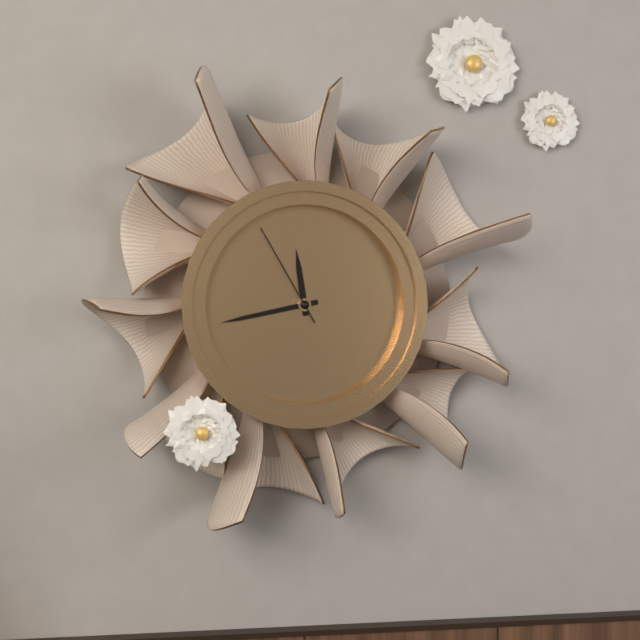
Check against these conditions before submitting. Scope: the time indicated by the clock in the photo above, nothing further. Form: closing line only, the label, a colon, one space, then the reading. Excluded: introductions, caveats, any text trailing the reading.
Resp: 11:43:55
